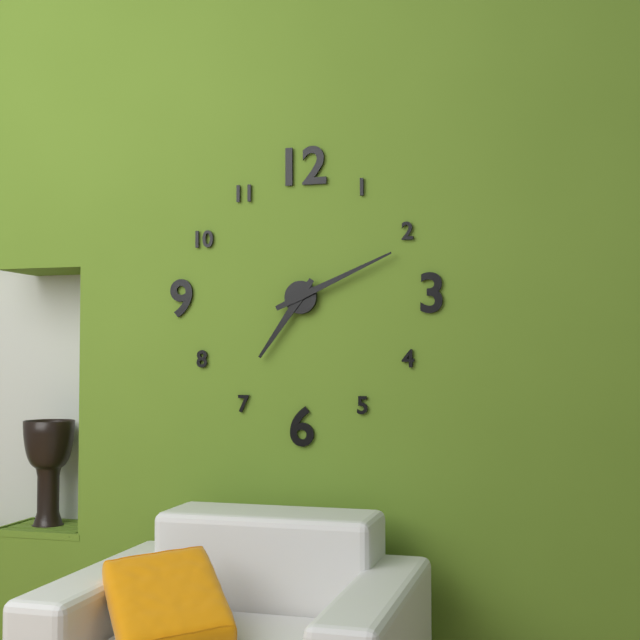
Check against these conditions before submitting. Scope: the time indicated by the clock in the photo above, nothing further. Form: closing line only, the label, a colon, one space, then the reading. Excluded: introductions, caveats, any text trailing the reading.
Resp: 7:11
